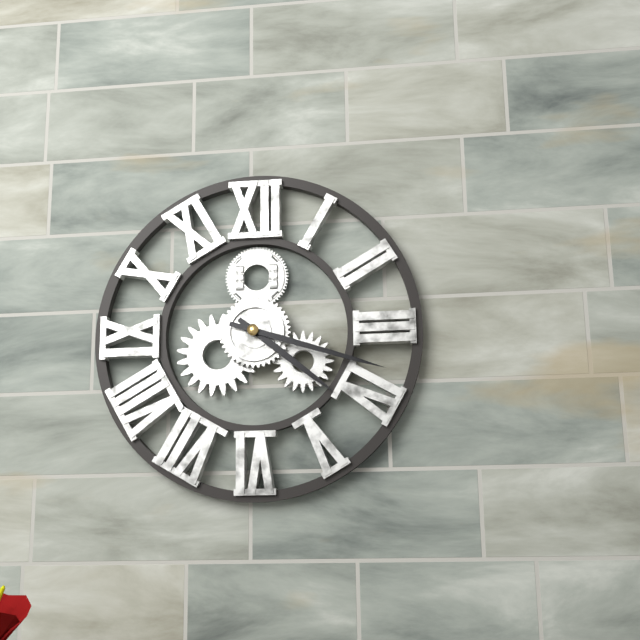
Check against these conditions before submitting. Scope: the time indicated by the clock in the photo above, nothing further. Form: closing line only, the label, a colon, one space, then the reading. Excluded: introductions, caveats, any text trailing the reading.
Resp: 4:18
